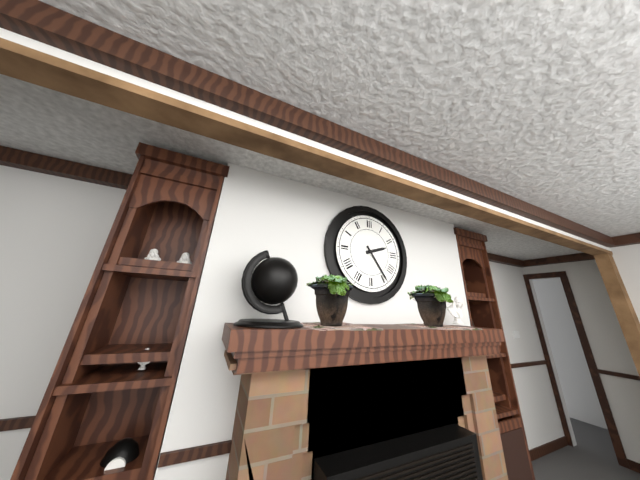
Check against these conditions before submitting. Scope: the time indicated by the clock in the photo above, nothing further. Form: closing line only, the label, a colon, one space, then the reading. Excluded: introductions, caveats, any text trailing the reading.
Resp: 2:24
